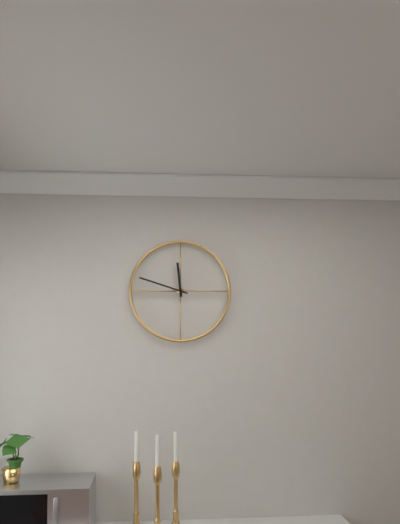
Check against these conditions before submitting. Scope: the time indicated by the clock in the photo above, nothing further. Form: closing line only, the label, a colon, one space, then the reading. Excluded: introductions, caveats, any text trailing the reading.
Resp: 11:48
